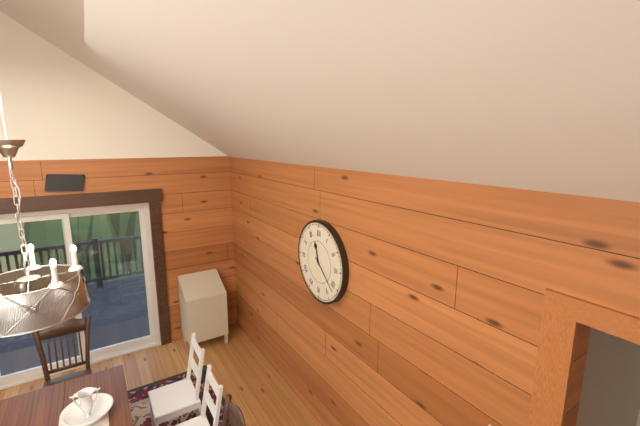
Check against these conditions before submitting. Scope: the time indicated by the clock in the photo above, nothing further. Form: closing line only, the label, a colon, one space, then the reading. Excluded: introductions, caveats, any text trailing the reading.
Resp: 11:22
